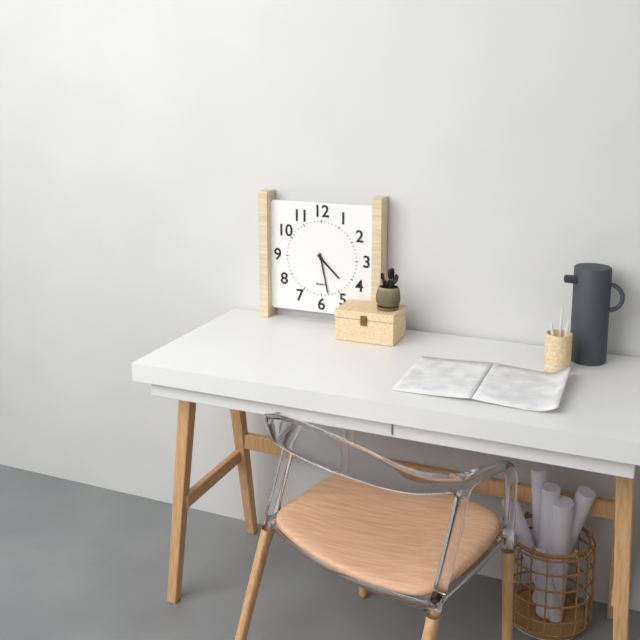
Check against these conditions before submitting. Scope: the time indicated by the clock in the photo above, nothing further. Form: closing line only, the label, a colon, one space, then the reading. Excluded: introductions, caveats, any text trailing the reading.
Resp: 4:28
